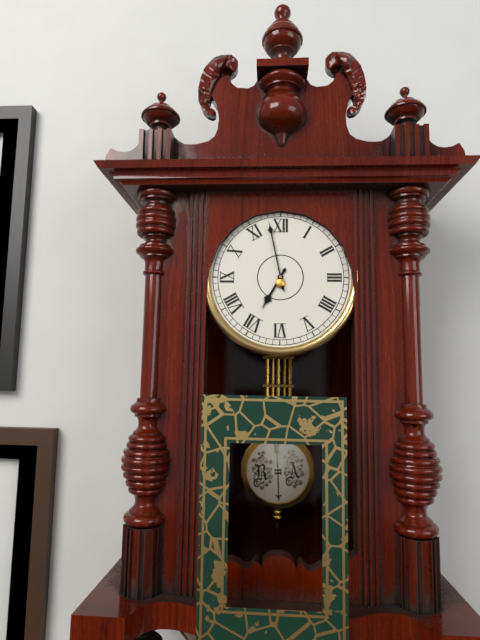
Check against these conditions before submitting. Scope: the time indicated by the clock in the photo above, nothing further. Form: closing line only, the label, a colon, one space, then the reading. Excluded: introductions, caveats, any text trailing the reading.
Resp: 6:58
